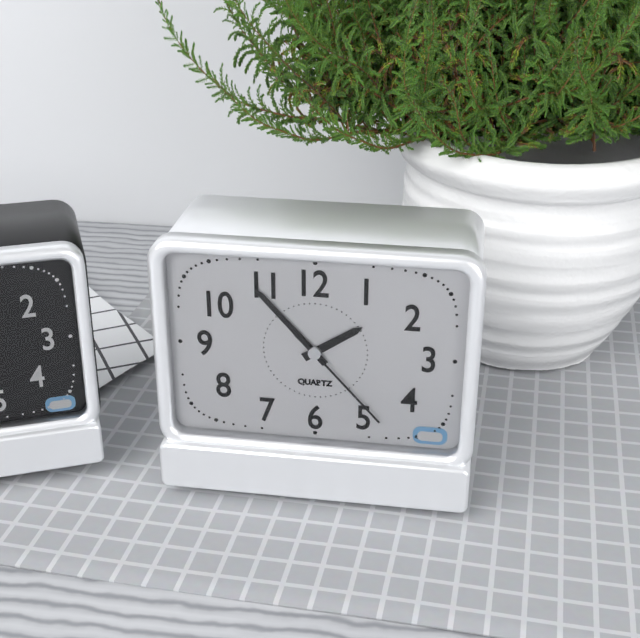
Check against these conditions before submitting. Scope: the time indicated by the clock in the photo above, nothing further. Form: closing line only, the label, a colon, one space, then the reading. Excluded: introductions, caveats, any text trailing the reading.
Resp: 1:53:23
